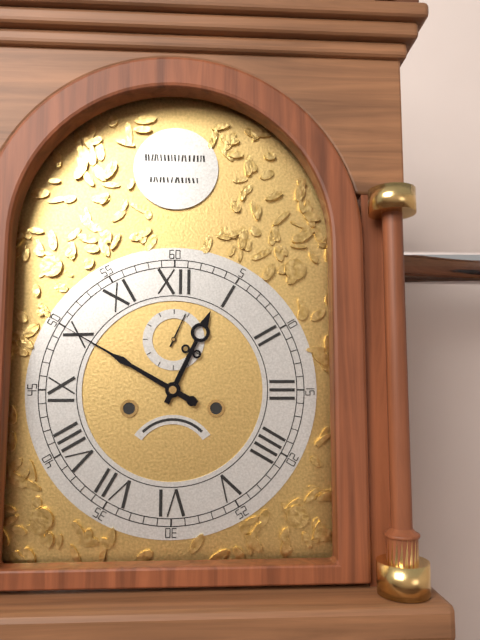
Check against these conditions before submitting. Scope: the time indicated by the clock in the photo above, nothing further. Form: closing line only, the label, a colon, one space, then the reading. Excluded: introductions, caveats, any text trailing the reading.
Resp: 12:50
